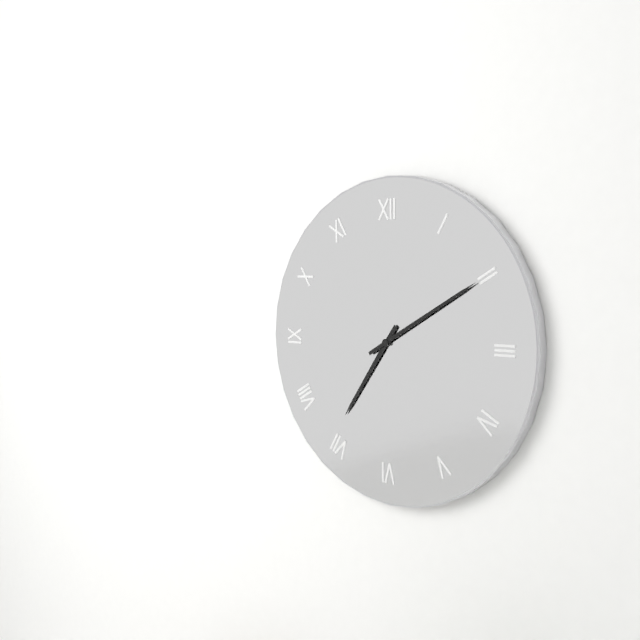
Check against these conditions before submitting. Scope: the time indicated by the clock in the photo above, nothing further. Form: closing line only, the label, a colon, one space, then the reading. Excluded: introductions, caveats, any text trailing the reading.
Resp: 7:10
